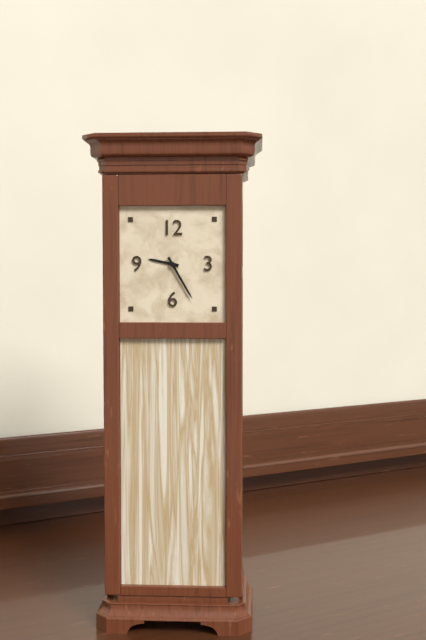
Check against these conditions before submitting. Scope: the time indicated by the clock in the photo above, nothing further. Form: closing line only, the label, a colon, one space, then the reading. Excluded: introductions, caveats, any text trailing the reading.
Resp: 9:25
